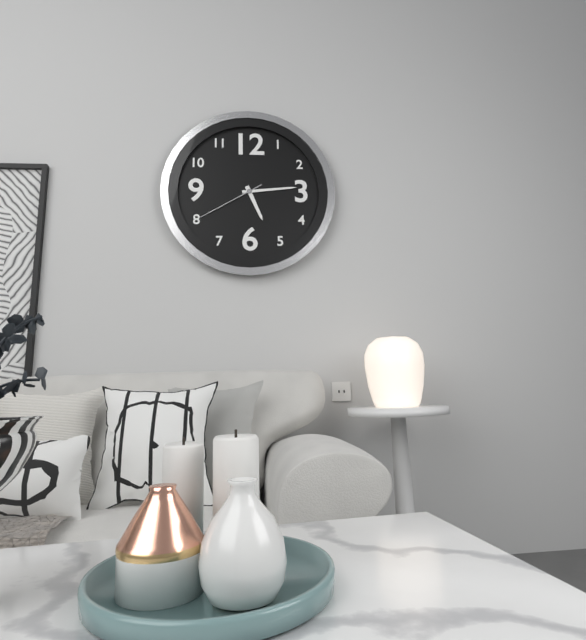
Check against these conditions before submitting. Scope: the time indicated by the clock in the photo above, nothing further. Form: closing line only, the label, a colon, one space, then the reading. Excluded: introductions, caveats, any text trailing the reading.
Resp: 5:14:40
